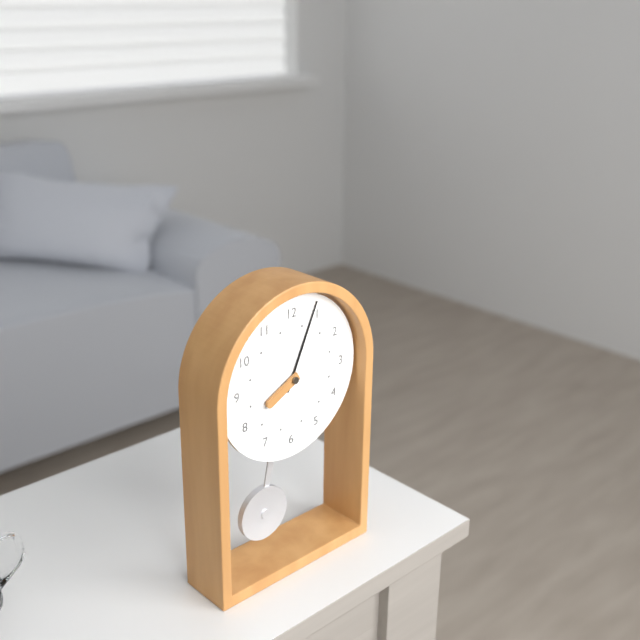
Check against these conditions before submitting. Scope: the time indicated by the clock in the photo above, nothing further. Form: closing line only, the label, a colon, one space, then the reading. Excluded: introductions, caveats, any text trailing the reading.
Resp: 8:04
